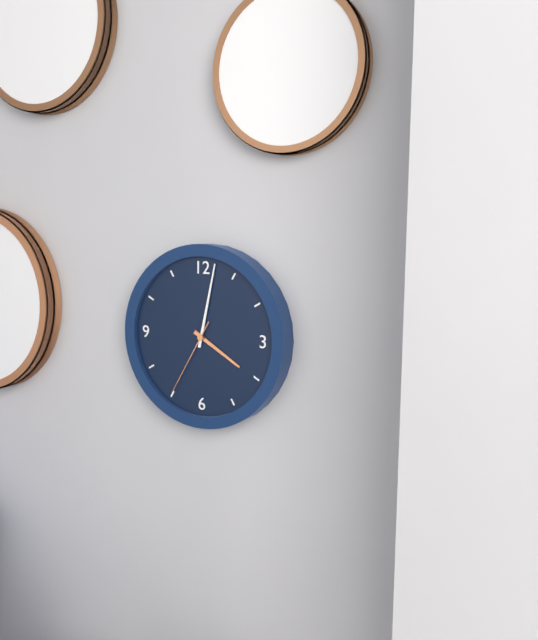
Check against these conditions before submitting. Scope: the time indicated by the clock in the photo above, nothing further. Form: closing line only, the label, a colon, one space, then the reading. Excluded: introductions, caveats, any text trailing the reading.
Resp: 4:02:35
